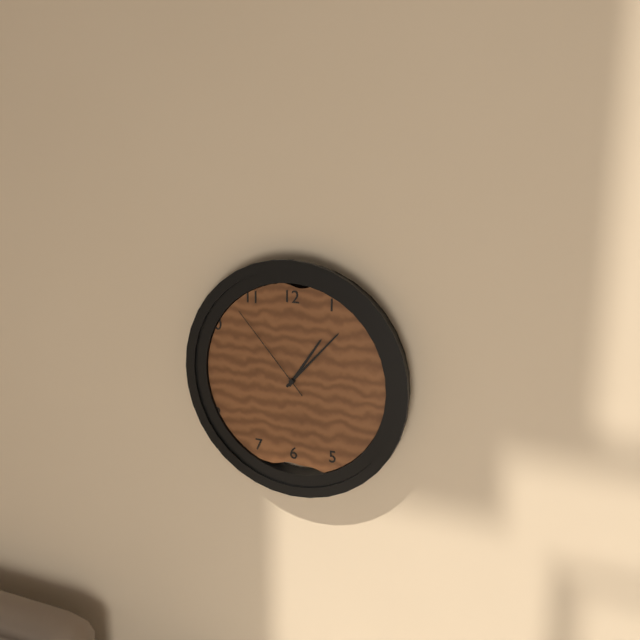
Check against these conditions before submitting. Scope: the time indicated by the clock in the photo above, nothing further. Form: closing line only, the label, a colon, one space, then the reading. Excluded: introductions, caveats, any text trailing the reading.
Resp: 1:07:53
